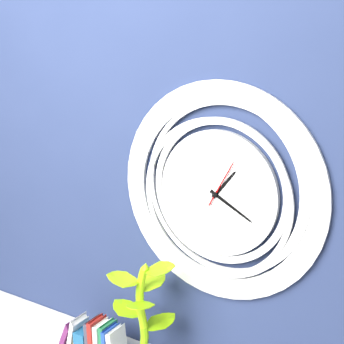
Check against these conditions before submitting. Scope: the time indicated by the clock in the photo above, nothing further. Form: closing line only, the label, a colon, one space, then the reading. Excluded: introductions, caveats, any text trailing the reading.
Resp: 1:20
